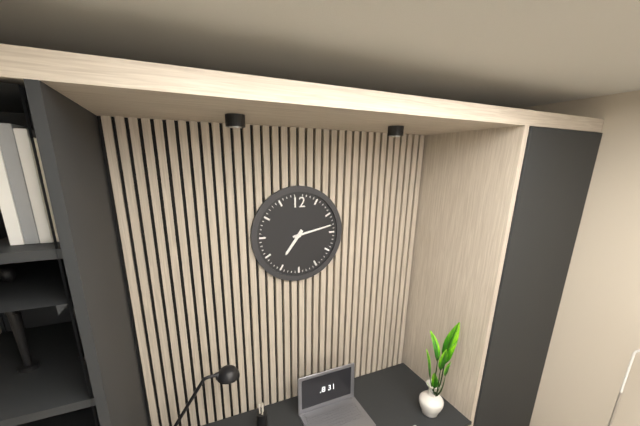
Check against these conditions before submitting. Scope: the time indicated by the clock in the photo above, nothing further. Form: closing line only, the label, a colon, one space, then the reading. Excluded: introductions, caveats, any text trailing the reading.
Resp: 7:13
